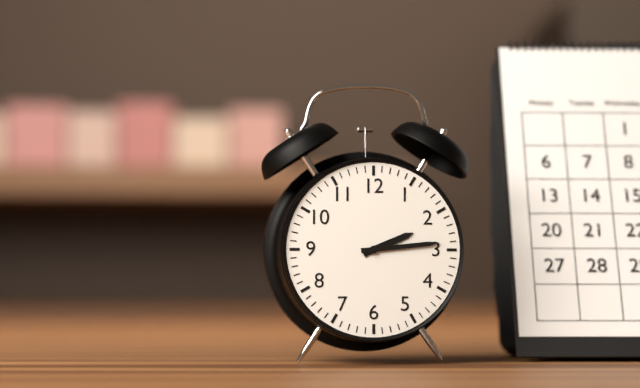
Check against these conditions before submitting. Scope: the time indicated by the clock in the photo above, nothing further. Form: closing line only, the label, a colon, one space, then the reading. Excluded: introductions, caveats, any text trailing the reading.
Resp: 2:14
